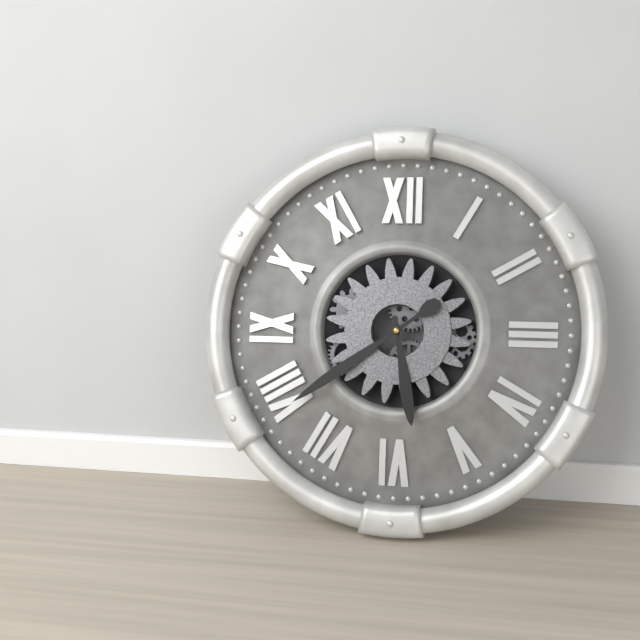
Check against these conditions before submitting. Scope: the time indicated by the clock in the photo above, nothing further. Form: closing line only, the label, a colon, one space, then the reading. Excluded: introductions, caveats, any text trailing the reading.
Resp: 5:39
